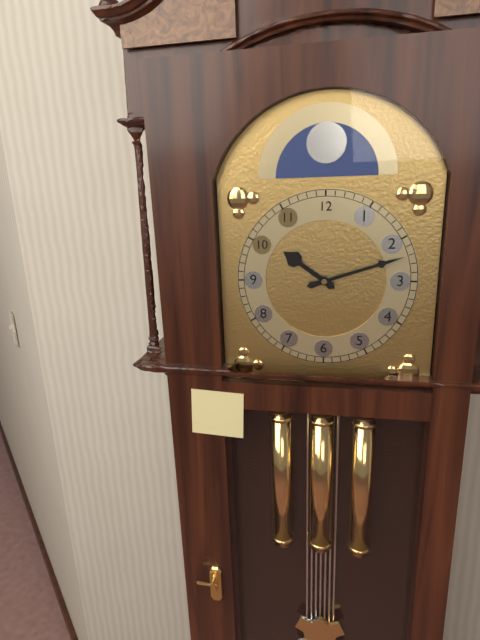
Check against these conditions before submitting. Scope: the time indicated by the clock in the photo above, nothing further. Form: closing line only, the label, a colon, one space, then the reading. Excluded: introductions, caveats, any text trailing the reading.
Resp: 10:12
